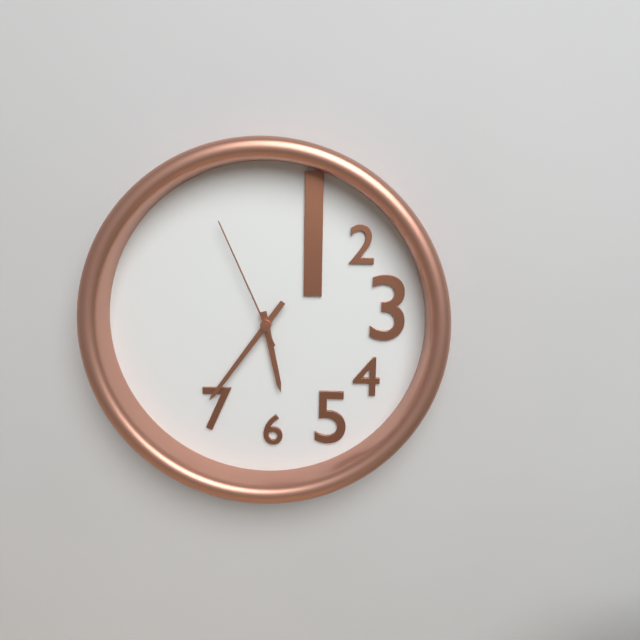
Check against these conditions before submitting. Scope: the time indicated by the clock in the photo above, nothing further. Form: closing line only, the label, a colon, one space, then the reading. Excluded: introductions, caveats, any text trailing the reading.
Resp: 5:36:56
